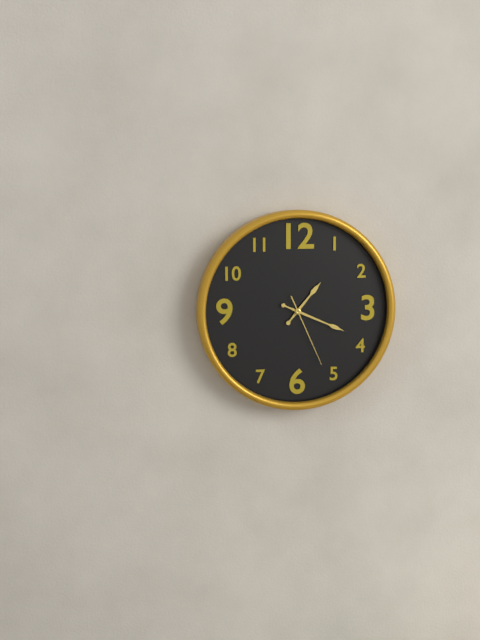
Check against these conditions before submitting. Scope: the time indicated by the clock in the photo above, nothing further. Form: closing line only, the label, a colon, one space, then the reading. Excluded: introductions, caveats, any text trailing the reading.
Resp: 1:19:26
